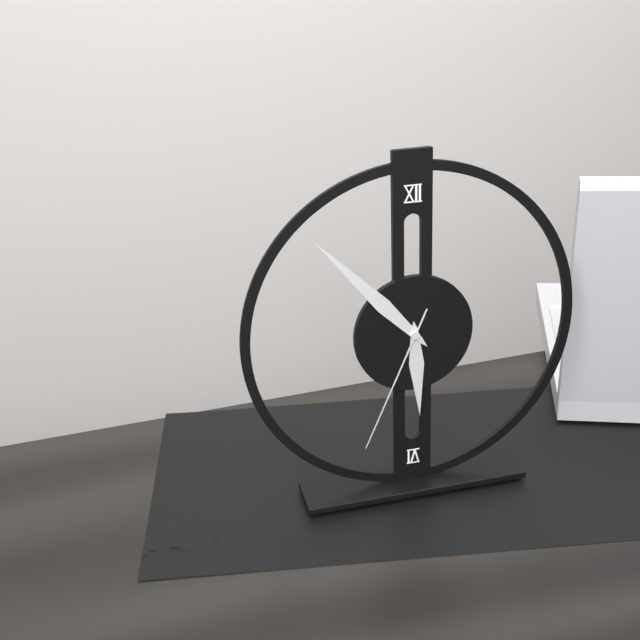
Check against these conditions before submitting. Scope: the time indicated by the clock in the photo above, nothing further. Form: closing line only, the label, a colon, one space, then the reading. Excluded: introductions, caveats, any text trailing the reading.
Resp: 5:53:34
